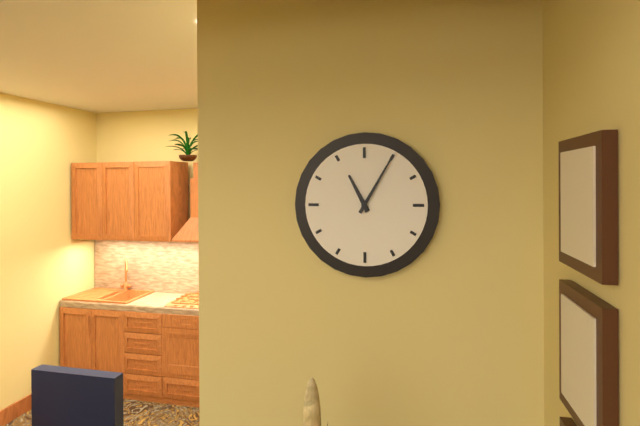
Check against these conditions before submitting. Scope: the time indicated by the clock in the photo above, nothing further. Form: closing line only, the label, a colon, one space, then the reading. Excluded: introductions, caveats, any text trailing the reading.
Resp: 11:05
